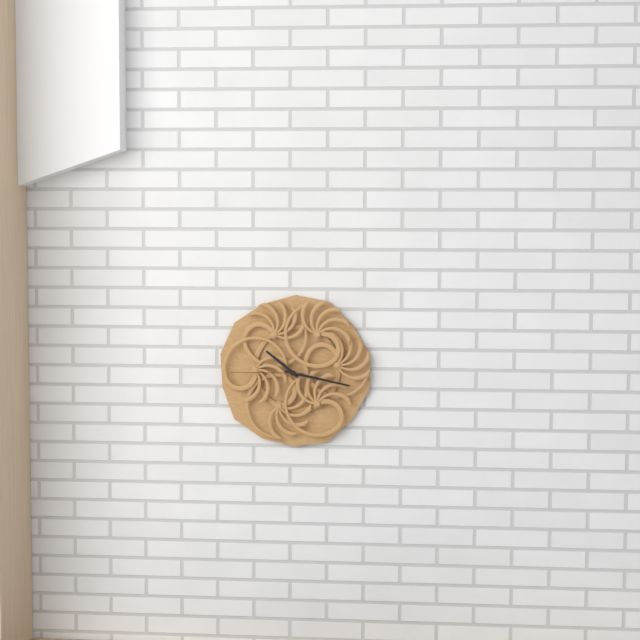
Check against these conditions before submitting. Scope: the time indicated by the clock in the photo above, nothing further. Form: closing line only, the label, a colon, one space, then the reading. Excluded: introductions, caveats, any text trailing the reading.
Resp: 10:17:45
